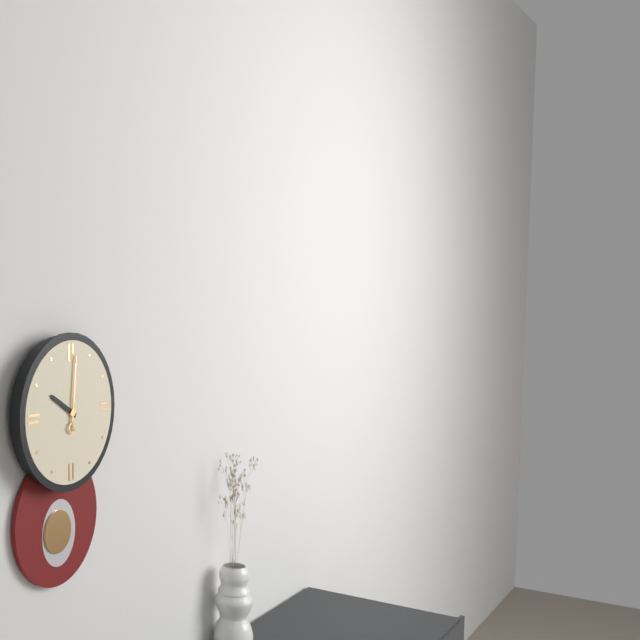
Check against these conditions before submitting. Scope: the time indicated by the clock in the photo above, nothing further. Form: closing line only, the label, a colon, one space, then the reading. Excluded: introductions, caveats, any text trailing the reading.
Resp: 10:01
